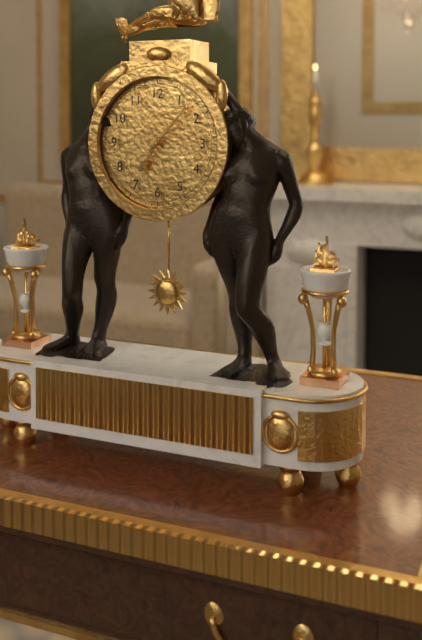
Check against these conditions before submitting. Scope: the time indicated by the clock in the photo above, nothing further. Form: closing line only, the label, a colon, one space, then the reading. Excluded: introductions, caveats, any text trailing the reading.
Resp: 7:07
